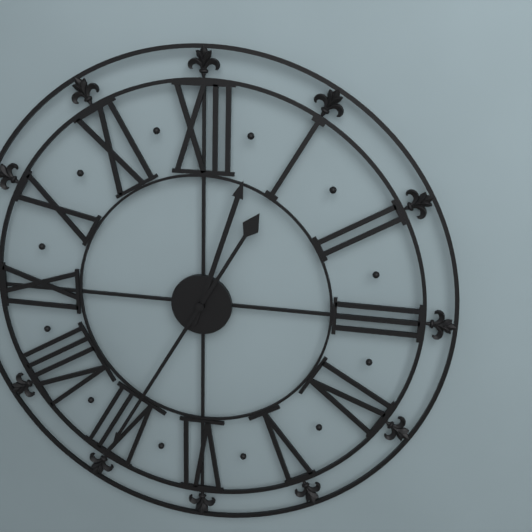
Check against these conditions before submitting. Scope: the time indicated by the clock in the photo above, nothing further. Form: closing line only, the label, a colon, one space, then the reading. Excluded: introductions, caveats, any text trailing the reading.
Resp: 12:35
